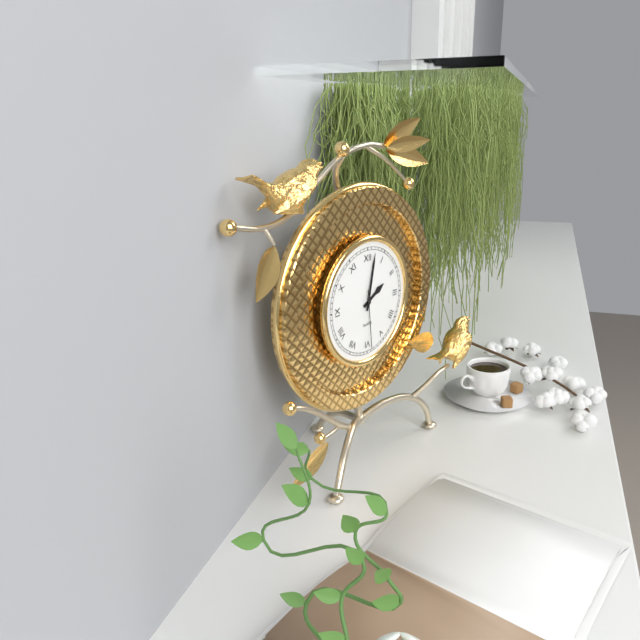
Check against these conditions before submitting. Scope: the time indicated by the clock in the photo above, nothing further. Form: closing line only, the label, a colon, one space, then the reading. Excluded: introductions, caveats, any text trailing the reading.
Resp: 2:02:29
